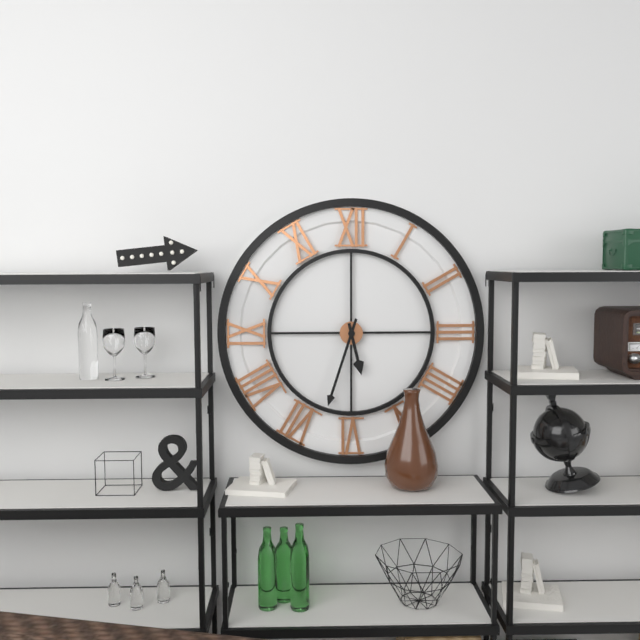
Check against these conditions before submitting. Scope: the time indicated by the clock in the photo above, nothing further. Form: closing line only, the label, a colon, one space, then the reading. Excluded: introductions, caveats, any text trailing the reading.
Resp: 5:33
